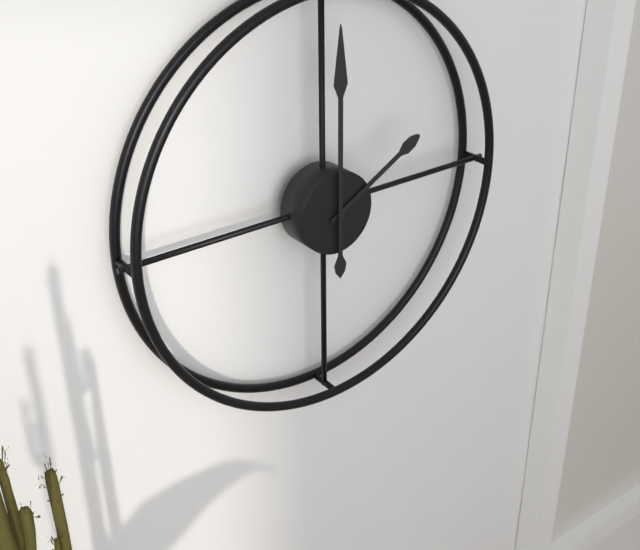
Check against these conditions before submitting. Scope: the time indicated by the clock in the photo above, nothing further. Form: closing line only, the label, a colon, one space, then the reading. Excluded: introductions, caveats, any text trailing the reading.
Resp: 2:00
